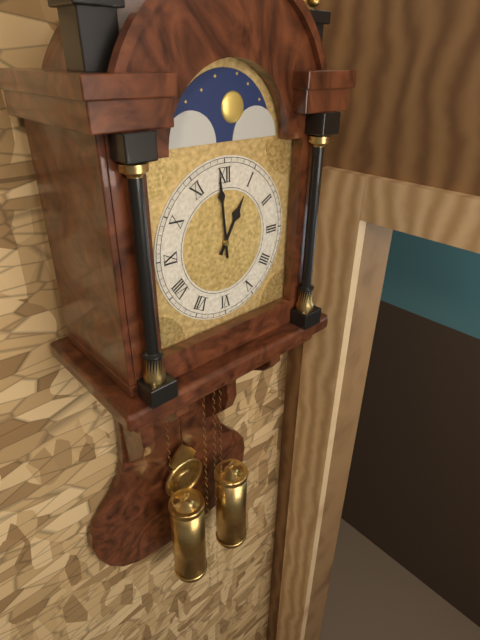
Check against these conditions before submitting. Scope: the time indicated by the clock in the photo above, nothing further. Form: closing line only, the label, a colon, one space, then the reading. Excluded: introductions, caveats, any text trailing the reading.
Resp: 12:59
